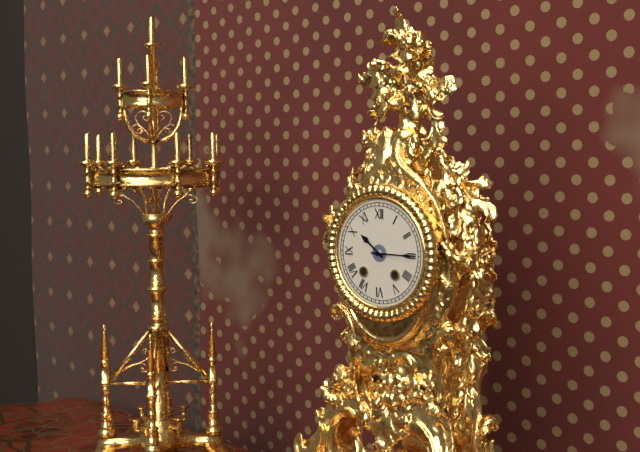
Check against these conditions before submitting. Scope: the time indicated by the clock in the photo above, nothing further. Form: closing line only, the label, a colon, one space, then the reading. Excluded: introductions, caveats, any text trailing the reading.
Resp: 10:15
